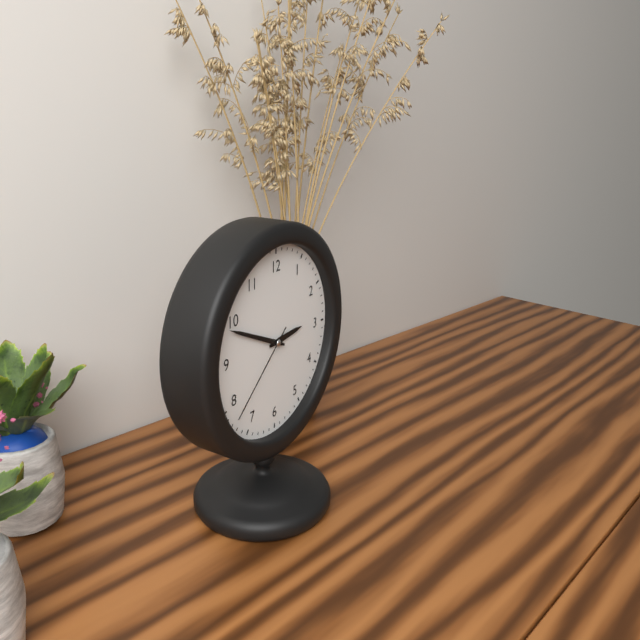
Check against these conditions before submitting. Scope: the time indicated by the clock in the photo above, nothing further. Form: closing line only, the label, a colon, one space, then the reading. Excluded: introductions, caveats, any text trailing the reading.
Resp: 2:49:38
